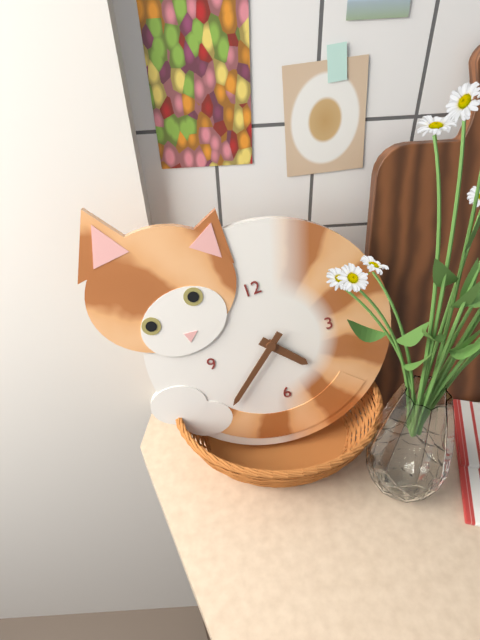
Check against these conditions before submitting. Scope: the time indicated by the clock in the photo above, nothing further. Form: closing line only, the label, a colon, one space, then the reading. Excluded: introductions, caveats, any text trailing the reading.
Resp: 4:38
